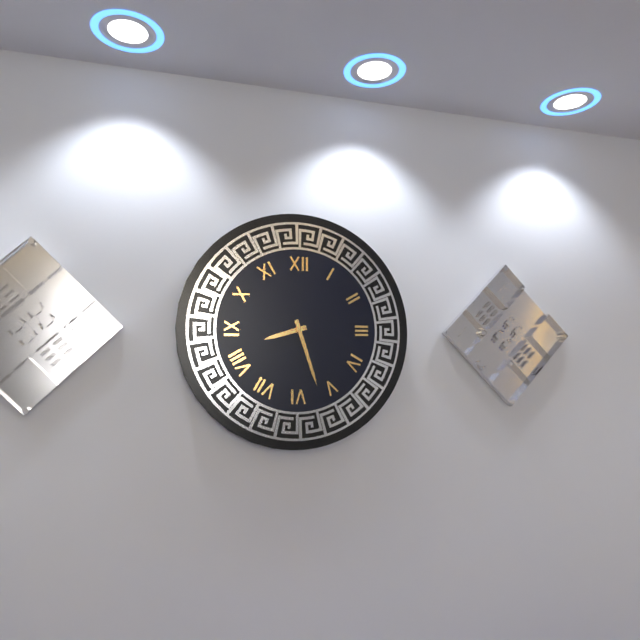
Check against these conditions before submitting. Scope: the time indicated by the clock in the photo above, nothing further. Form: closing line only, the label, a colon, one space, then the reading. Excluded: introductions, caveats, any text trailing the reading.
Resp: 8:27
